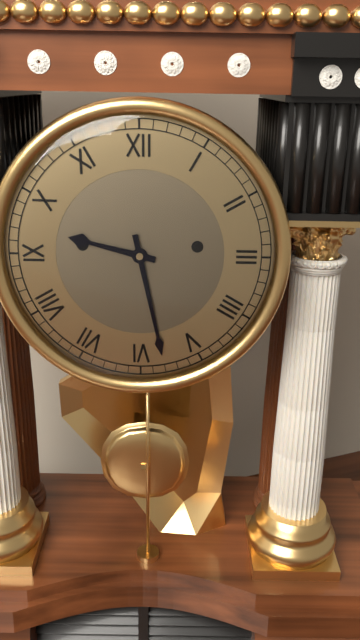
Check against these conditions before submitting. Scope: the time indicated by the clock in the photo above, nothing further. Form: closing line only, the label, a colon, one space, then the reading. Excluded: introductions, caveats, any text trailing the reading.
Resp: 9:28
